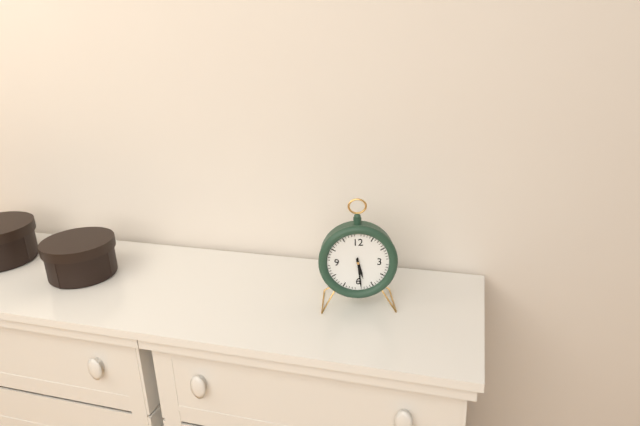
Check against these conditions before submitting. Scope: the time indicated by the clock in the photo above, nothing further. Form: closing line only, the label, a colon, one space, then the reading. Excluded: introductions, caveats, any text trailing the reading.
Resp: 5:29
